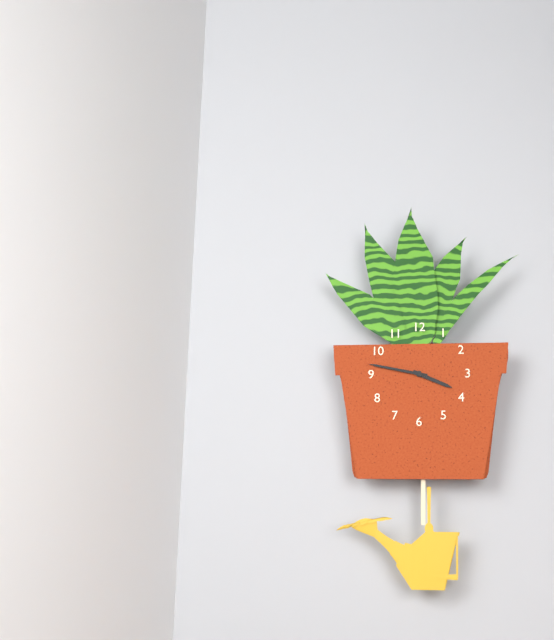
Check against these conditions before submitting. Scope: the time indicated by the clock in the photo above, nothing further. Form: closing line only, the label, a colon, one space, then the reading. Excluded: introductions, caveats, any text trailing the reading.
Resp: 3:47
